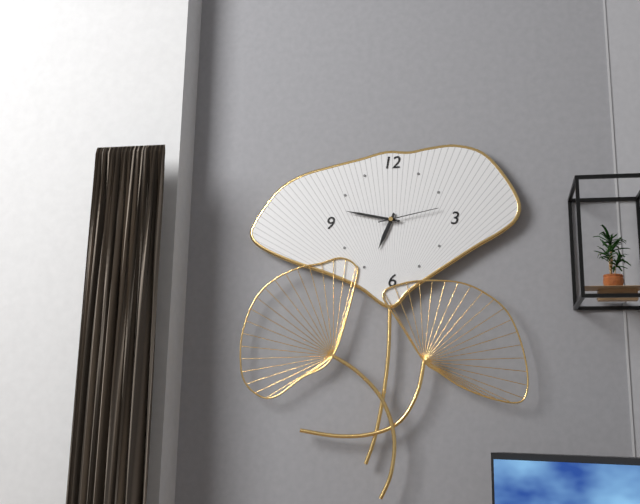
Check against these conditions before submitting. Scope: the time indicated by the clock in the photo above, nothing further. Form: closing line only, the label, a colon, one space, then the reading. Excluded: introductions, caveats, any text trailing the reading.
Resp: 6:47:13
